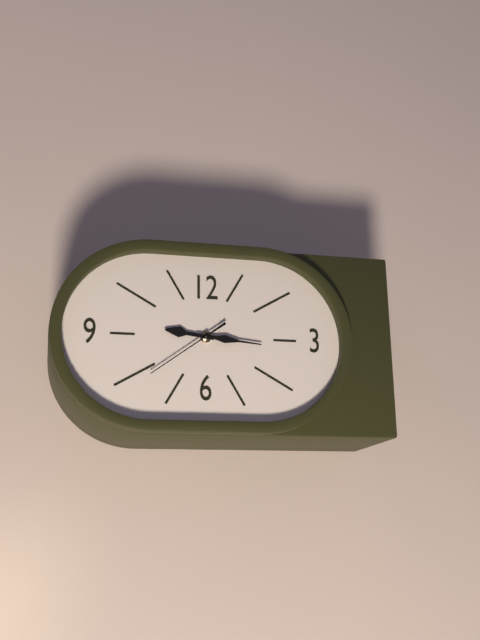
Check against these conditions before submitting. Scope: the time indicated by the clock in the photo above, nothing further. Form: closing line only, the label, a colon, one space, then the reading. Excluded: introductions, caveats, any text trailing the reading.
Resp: 9:16
